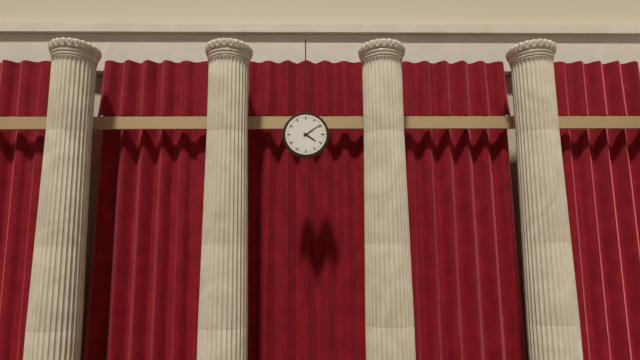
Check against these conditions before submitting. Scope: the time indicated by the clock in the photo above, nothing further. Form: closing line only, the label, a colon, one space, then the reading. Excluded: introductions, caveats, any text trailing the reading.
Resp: 4:09
